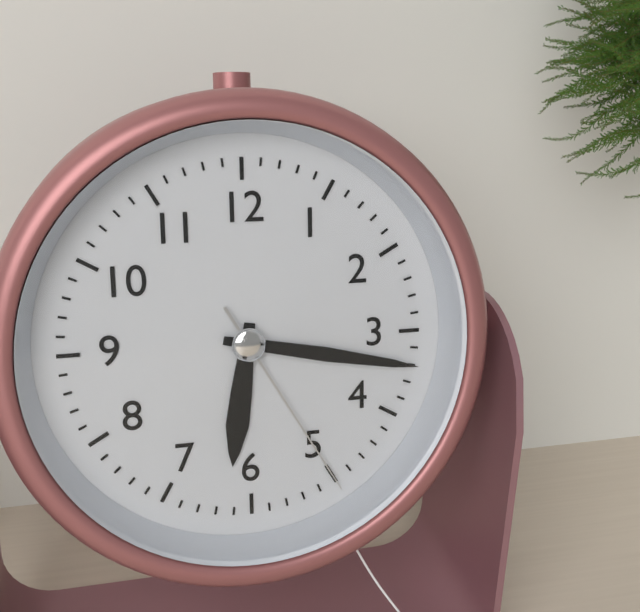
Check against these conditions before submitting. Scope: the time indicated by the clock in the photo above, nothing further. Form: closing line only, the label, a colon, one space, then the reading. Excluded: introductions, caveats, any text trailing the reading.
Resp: 6:17:25
